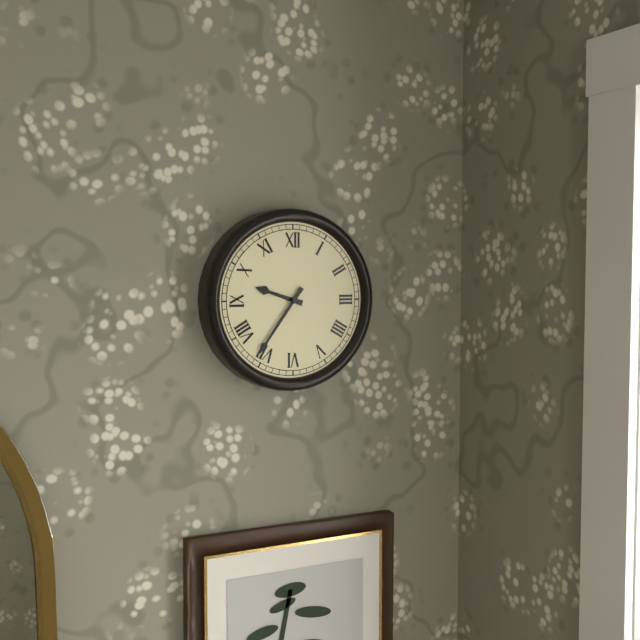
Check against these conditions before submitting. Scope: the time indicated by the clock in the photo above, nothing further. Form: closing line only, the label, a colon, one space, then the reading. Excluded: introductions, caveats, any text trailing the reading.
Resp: 9:36
